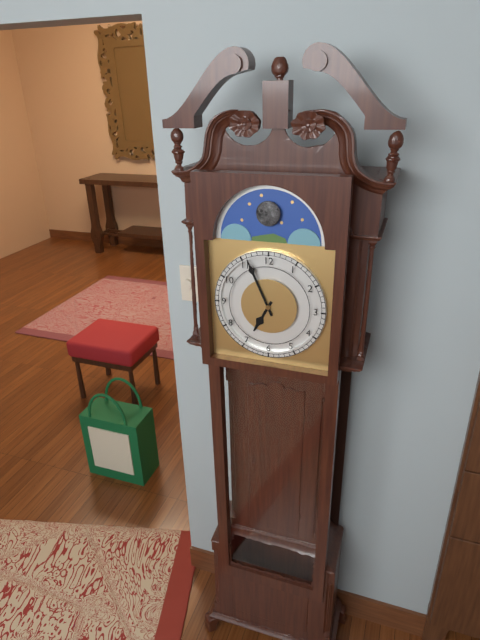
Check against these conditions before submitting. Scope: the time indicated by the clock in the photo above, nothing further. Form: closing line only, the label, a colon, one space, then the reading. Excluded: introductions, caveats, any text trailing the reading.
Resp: 6:56
